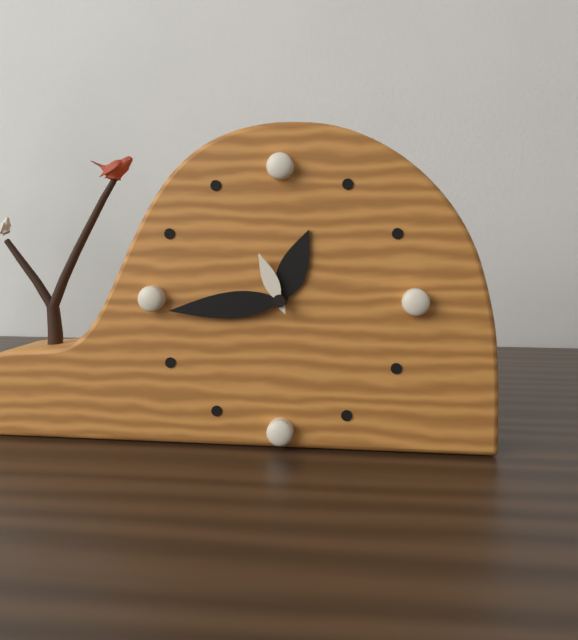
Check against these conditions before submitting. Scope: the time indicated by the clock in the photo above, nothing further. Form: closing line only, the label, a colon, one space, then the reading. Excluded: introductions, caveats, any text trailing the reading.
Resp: 12:44:56
